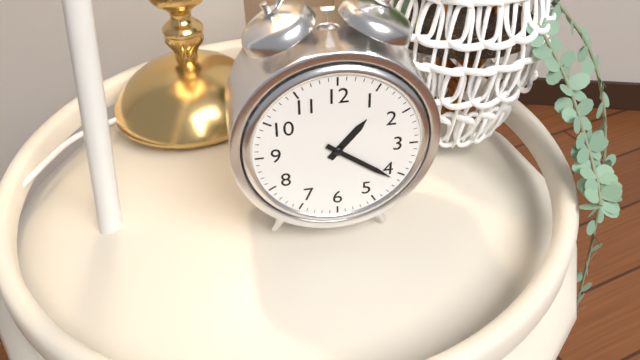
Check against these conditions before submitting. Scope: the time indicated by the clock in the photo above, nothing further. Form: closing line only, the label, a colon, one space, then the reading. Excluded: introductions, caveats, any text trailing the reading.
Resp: 1:21
